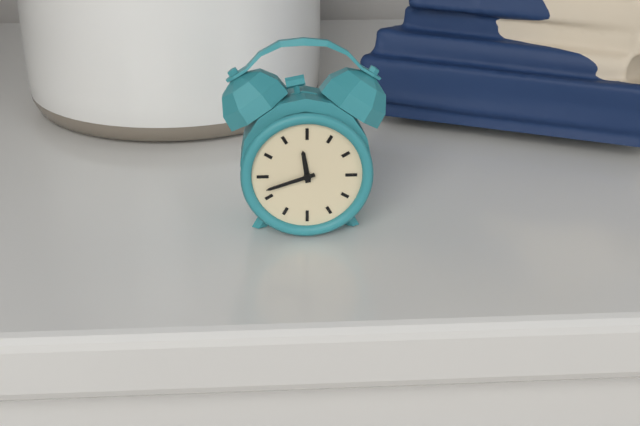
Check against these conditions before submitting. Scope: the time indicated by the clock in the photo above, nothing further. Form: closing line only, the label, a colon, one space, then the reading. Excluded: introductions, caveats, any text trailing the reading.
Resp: 11:42
